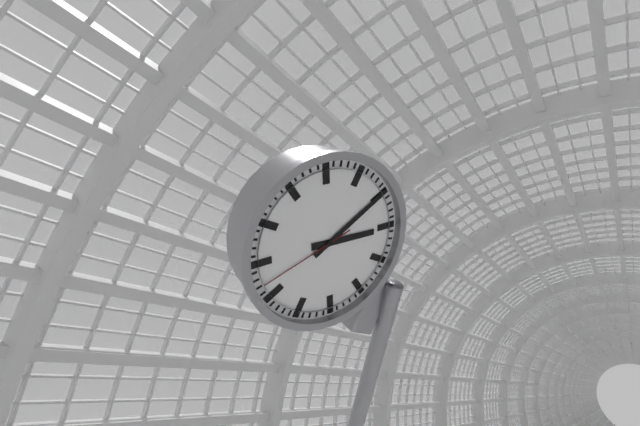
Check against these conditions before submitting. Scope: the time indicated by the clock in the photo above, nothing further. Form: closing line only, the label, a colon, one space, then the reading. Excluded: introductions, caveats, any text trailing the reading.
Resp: 2:05:37
